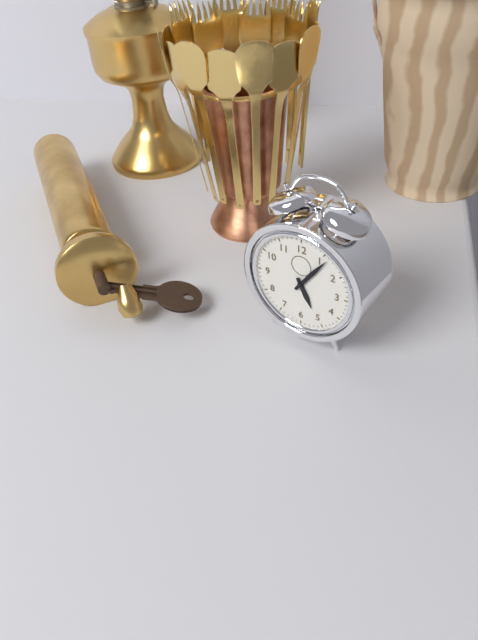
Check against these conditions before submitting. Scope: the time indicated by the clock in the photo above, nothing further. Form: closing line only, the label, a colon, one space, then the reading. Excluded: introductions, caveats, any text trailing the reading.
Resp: 5:06
